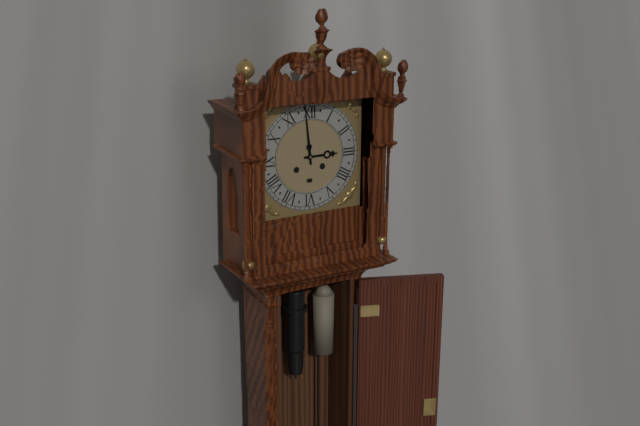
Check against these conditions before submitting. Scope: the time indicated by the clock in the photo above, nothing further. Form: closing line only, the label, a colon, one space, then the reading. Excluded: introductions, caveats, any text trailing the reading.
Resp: 2:59
